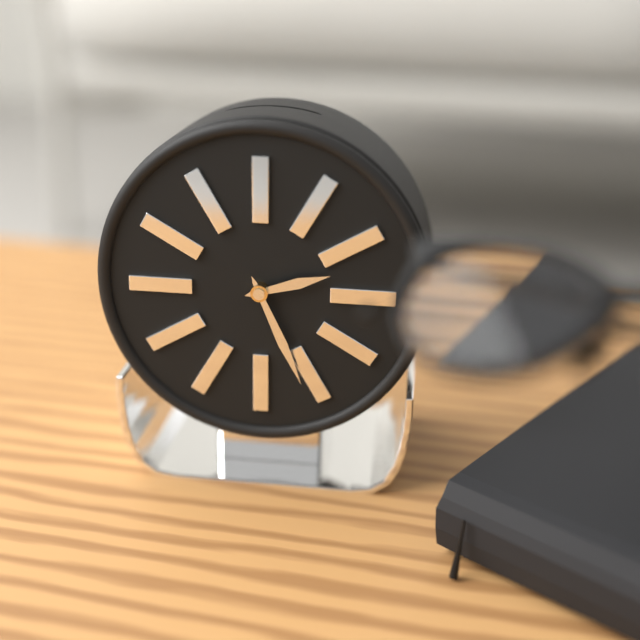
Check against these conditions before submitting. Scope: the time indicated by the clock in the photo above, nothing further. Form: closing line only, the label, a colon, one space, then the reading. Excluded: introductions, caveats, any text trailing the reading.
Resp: 2:26
